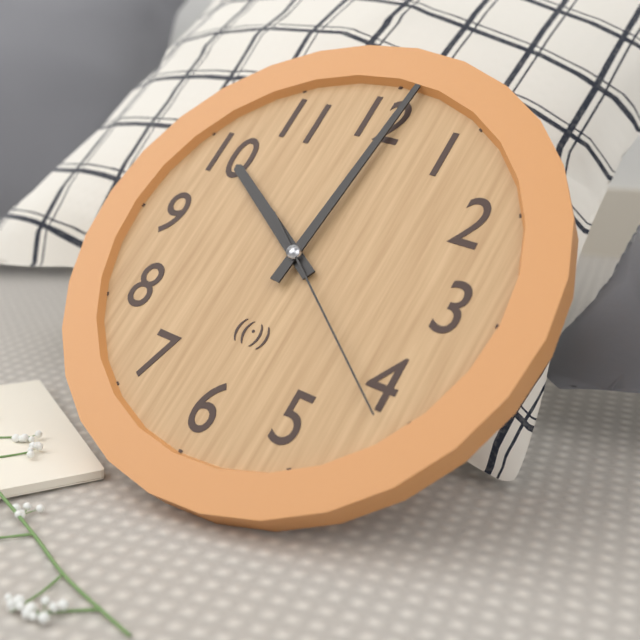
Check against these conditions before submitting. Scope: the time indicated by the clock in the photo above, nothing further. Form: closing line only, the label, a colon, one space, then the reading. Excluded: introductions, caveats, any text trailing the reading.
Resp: 10:01:21
